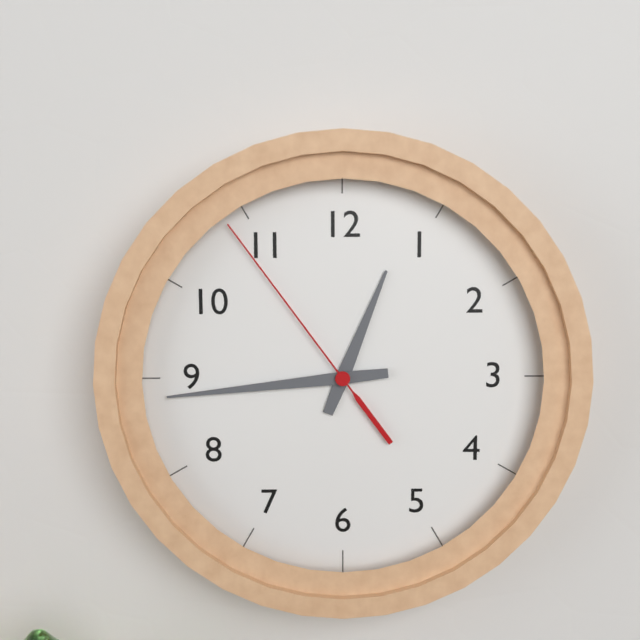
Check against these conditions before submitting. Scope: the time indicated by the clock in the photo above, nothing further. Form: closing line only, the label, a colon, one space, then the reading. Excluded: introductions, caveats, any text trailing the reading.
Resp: 12:44:54
